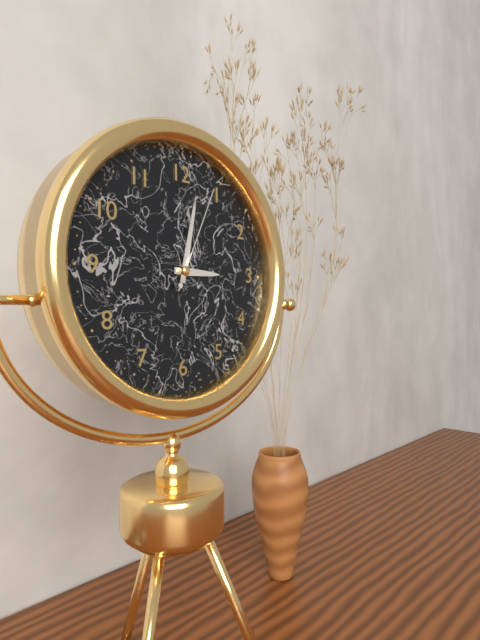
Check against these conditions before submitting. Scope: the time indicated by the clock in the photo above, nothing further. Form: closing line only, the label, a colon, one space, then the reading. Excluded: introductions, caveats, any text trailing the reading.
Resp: 3:02:04
